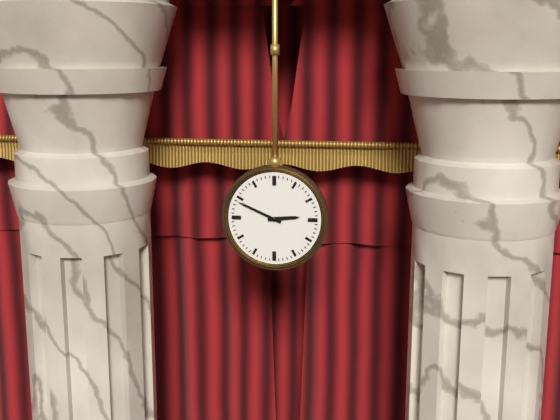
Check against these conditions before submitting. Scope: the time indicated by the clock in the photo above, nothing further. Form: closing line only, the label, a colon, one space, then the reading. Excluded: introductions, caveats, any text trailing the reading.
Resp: 2:49
